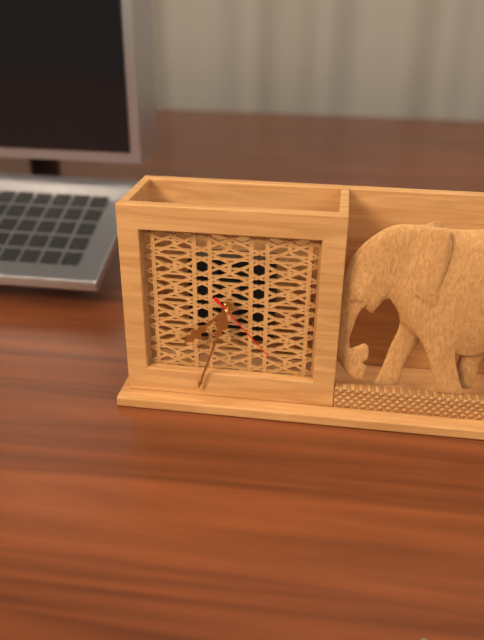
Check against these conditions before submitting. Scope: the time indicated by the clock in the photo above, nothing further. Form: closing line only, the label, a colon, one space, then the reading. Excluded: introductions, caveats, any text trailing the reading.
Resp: 7:33:23
